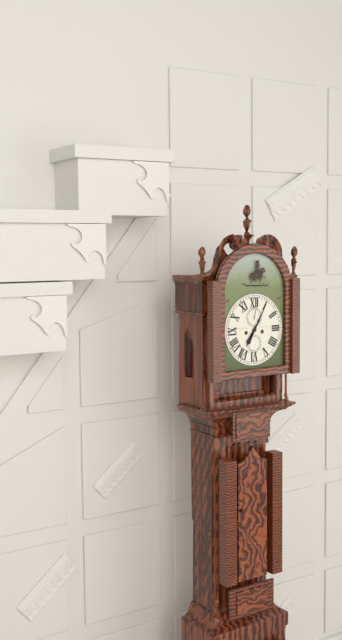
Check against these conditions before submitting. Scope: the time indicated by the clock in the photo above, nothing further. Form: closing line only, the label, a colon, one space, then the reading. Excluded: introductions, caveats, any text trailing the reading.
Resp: 7:05
